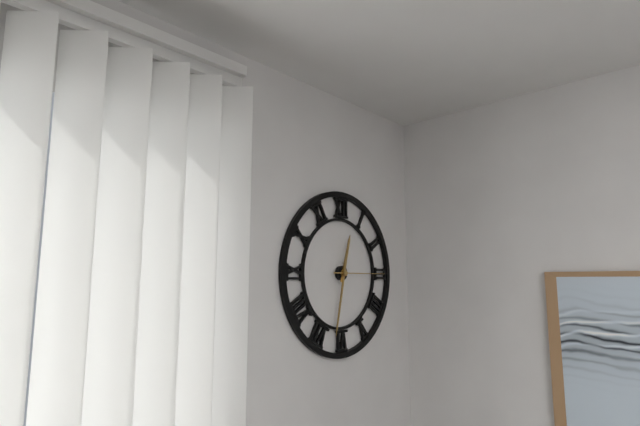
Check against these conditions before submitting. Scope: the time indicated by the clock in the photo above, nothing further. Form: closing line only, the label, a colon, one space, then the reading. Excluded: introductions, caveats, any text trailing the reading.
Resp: 12:32:15
